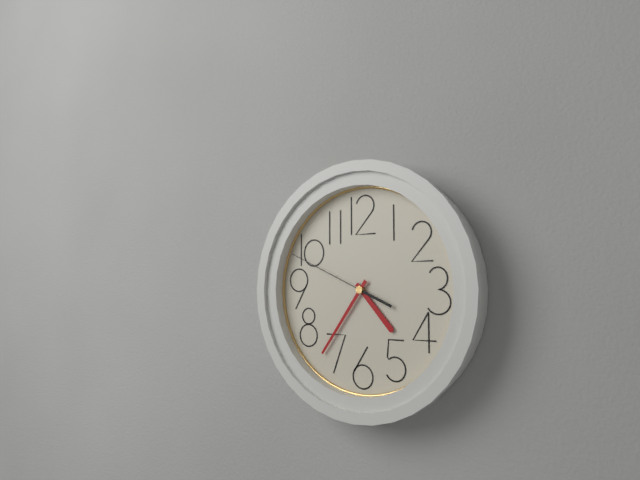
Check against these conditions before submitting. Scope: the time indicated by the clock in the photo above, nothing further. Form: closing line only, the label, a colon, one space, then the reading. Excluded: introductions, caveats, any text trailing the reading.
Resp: 4:36:49
